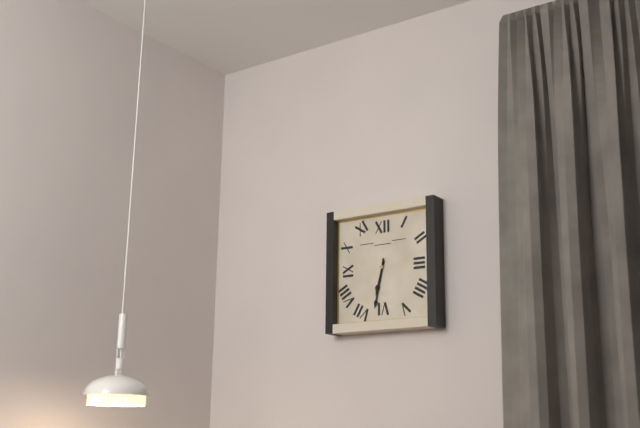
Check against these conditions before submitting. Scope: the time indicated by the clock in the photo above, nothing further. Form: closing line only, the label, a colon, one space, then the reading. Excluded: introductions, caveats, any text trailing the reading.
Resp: 6:32
